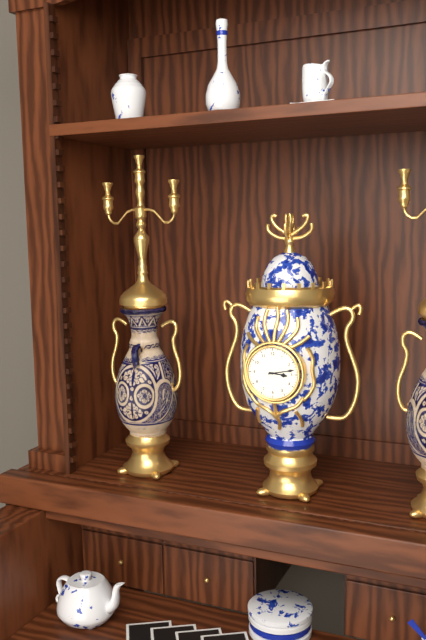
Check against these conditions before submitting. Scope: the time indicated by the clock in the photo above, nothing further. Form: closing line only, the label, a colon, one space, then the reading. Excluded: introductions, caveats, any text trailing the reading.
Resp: 3:13
